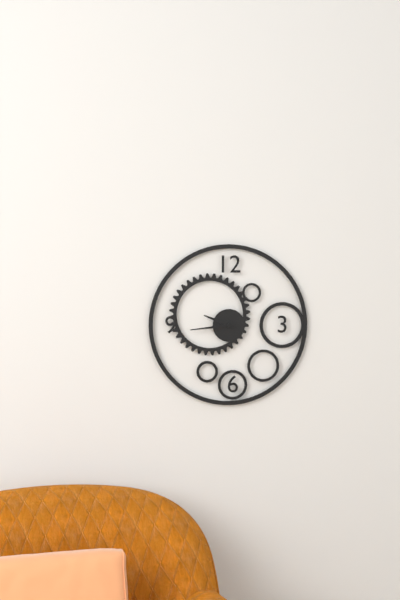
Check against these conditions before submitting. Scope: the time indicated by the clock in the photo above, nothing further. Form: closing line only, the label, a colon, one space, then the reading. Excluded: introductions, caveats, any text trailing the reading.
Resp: 9:44
